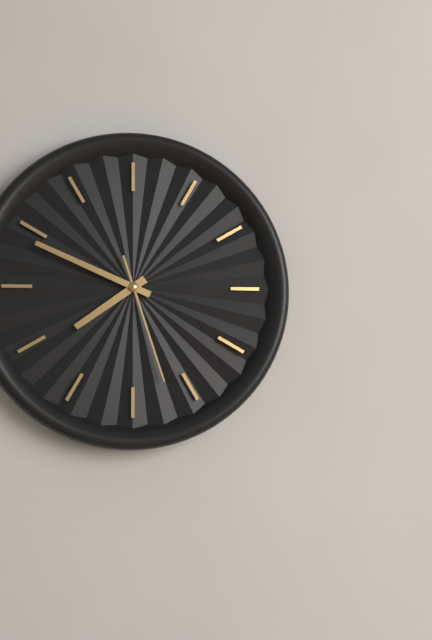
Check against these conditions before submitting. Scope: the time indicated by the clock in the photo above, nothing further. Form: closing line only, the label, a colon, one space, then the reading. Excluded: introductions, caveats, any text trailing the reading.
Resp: 7:49:27
